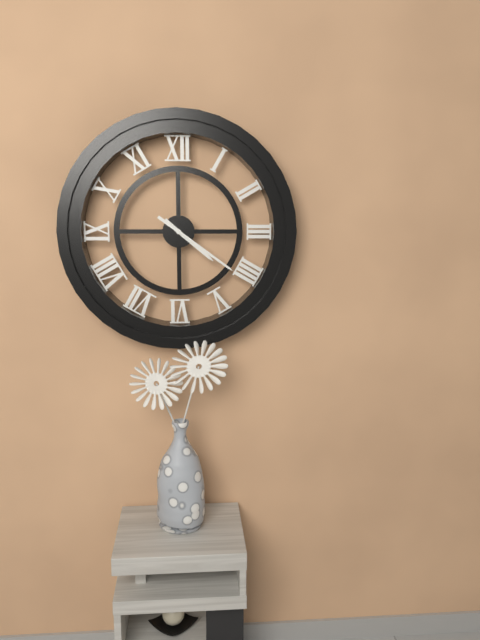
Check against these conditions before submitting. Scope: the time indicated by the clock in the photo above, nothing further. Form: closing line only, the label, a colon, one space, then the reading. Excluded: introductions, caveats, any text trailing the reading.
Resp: 4:21
